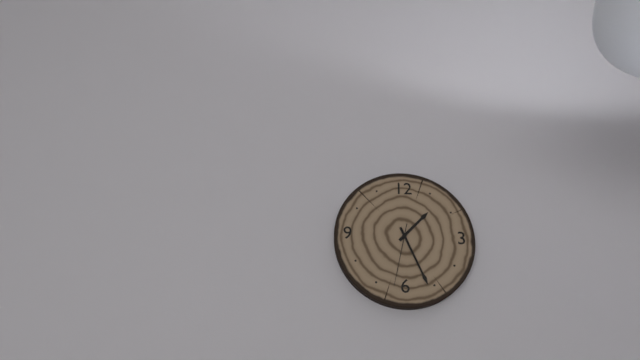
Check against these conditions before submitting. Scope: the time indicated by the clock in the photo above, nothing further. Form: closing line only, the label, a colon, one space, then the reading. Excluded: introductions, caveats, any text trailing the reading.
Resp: 1:26:32
